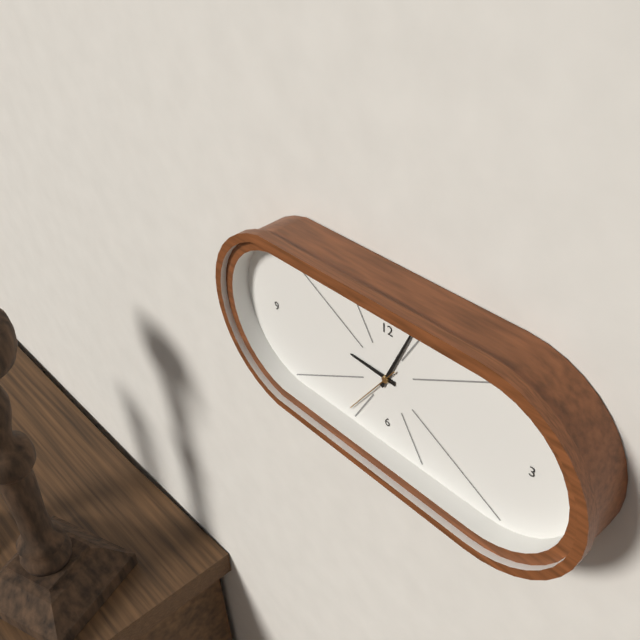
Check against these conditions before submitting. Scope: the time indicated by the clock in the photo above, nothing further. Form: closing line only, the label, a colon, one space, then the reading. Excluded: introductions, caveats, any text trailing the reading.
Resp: 9:04:36
